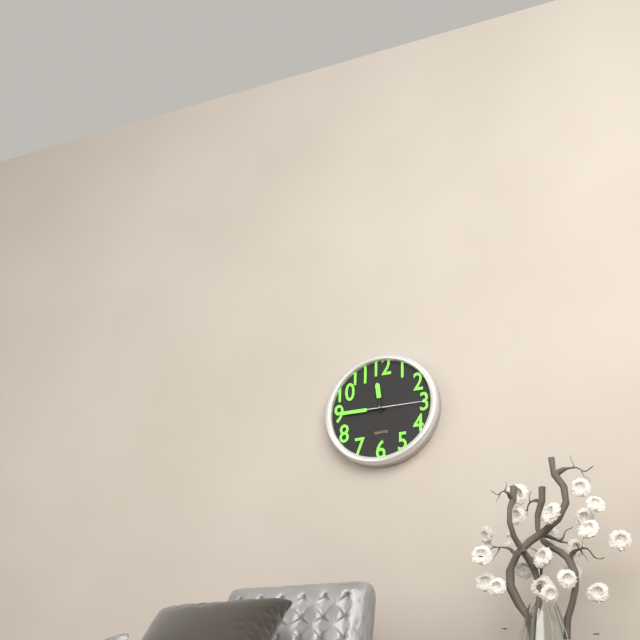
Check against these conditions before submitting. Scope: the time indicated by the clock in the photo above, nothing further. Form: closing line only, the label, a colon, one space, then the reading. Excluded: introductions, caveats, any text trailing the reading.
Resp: 11:45:15
